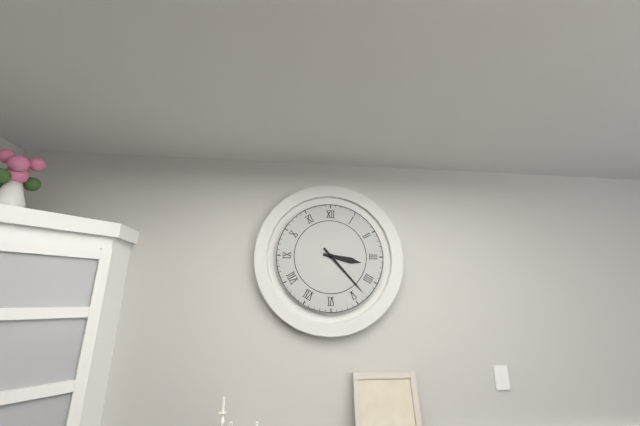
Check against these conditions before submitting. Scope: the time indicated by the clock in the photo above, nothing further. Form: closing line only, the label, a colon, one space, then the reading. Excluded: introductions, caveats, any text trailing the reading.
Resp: 3:23
